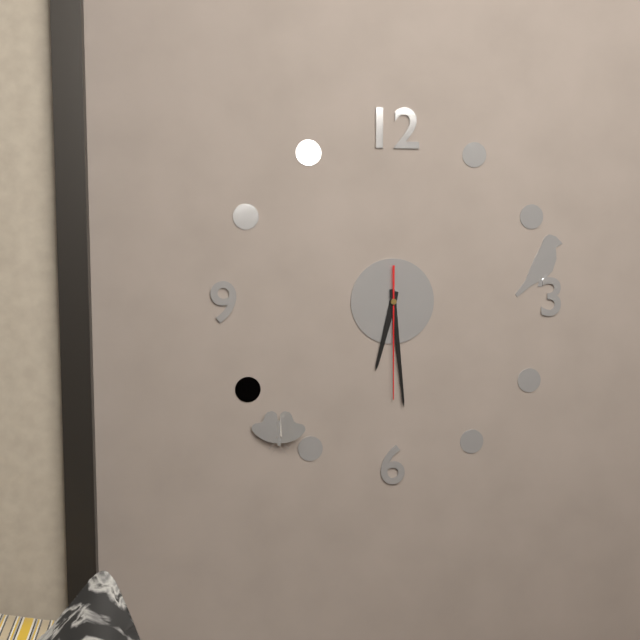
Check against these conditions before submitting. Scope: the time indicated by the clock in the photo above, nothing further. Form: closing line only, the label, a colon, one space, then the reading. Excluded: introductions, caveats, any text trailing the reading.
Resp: 6:29:30
